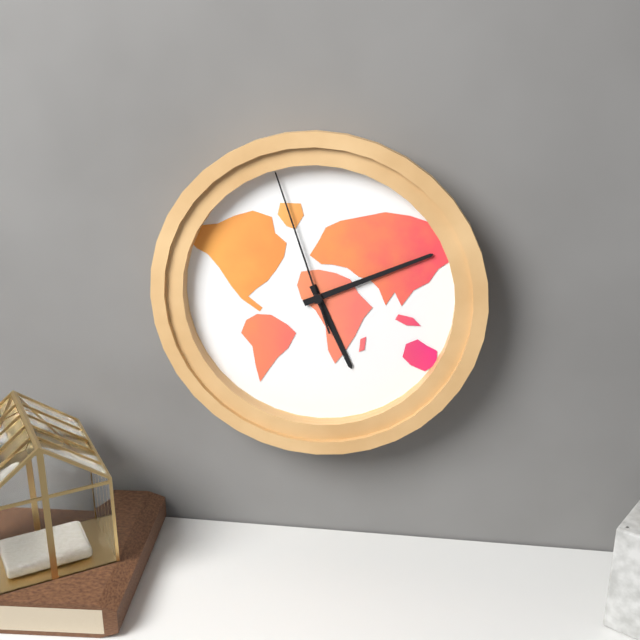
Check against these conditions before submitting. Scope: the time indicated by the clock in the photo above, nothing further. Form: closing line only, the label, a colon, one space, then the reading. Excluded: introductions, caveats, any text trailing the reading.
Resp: 5:11:57
